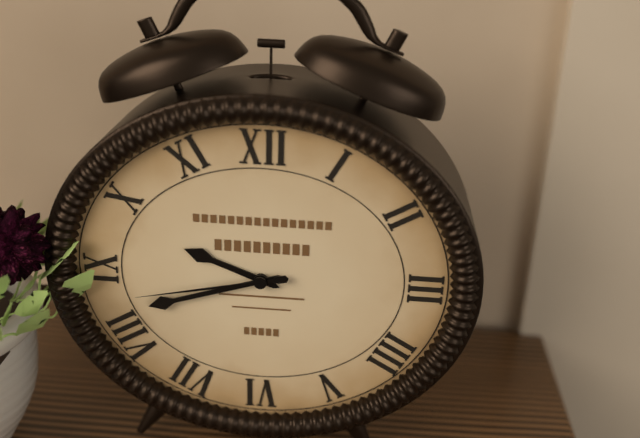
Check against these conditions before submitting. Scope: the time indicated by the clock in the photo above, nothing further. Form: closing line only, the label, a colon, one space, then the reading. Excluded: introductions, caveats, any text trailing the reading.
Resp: 9:42:43
